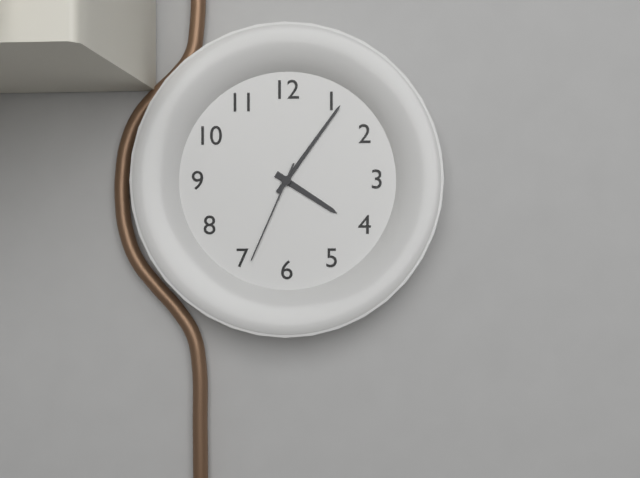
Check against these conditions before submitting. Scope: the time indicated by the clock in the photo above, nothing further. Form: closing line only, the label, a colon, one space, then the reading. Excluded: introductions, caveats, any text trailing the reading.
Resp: 4:06:34
